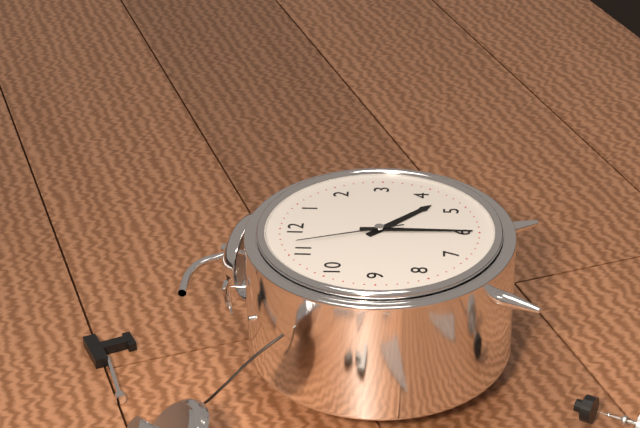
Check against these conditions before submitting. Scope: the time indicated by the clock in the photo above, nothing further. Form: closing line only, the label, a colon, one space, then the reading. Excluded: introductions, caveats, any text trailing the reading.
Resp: 4:30:57
